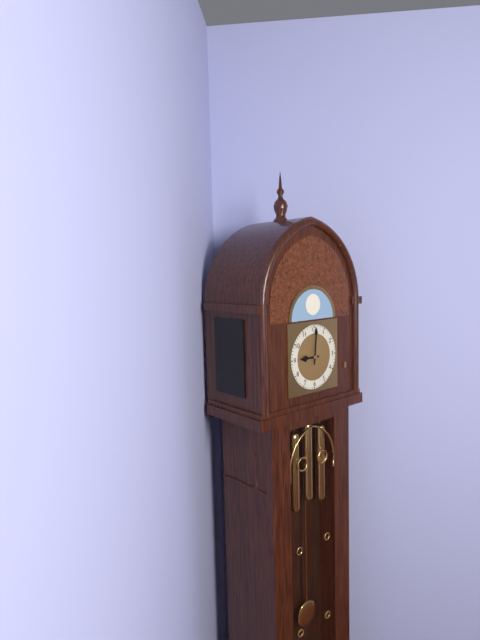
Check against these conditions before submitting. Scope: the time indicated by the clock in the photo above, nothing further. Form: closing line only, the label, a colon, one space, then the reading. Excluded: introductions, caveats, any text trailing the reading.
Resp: 9:01
